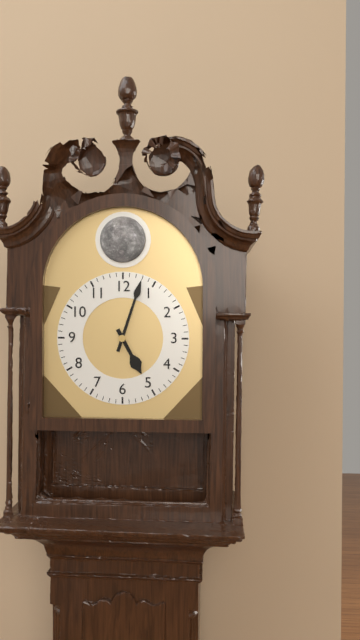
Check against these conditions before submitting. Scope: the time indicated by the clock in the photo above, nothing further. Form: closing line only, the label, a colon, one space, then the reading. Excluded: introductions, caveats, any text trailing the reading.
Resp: 5:03
